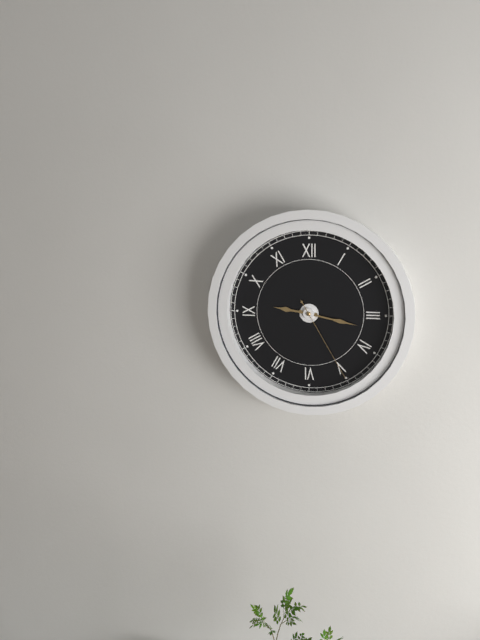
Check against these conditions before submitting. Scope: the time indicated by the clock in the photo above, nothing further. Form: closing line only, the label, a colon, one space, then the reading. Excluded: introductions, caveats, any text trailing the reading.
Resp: 9:17:25
